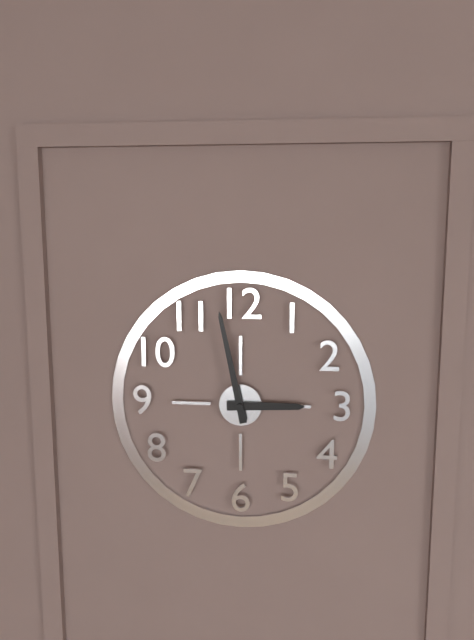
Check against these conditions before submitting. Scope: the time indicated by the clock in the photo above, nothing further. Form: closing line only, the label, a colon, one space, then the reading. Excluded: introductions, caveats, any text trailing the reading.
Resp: 2:58
